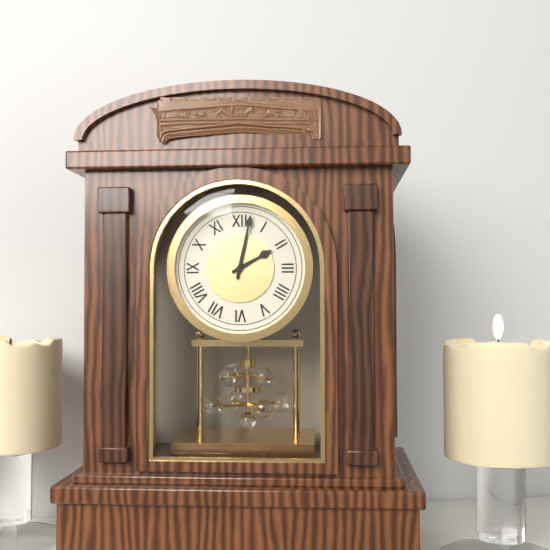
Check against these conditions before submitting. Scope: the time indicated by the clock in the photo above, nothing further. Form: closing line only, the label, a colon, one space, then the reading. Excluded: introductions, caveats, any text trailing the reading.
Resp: 2:02
